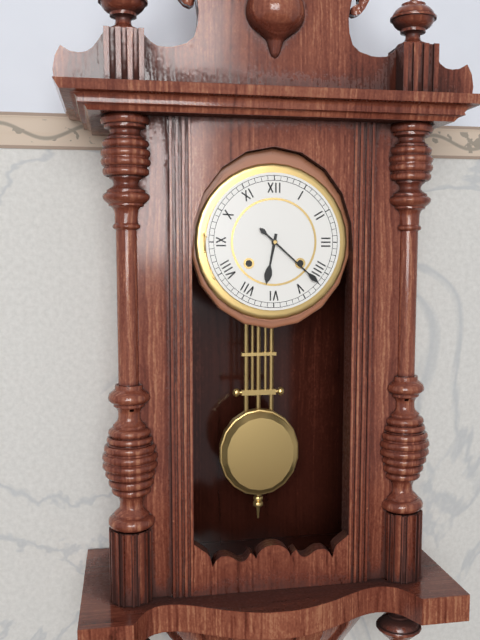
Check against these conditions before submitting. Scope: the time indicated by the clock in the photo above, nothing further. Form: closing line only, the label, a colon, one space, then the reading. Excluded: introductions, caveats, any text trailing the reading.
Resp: 6:22
